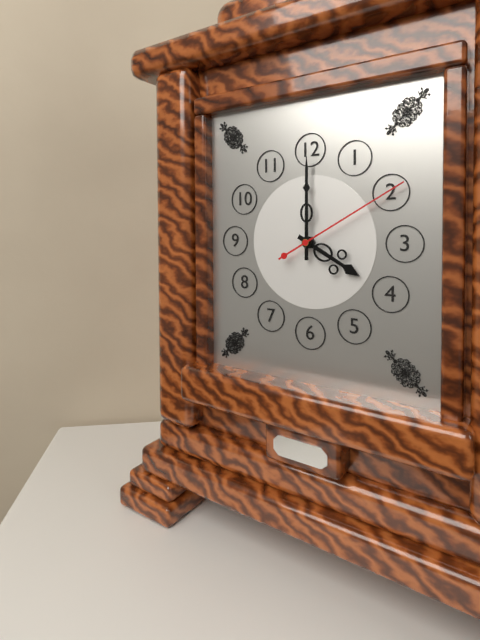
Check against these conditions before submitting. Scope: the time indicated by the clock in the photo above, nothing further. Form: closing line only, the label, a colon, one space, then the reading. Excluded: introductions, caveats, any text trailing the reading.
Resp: 4:00:10
